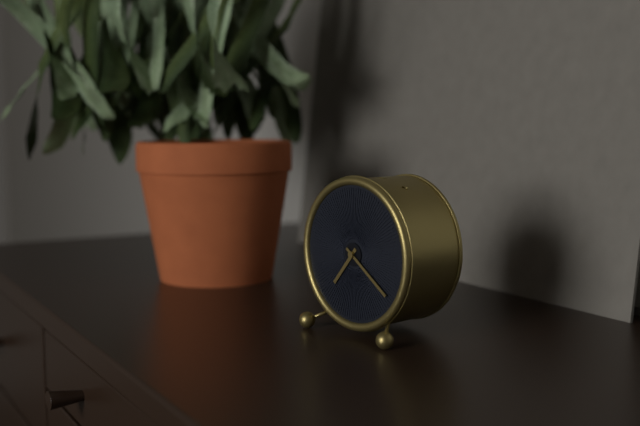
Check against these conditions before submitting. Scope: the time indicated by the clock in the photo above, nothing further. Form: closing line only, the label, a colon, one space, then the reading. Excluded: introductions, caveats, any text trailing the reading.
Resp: 7:21
